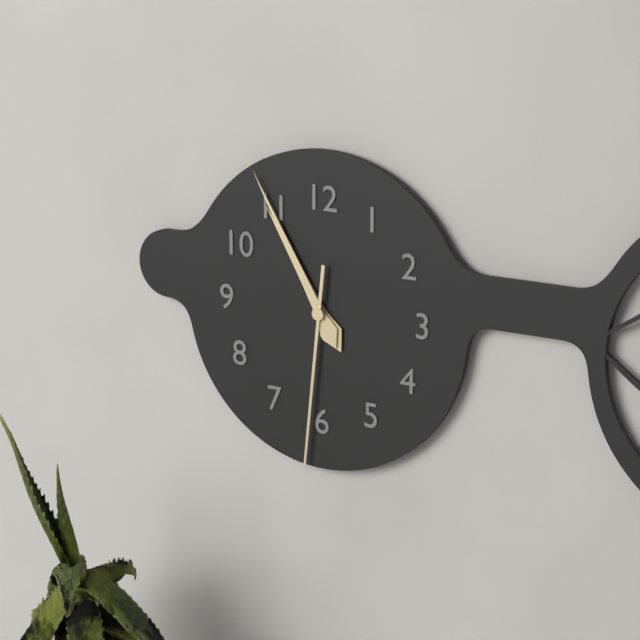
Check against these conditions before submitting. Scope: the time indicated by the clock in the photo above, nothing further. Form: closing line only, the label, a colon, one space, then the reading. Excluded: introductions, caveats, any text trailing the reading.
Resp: 10:55:31
